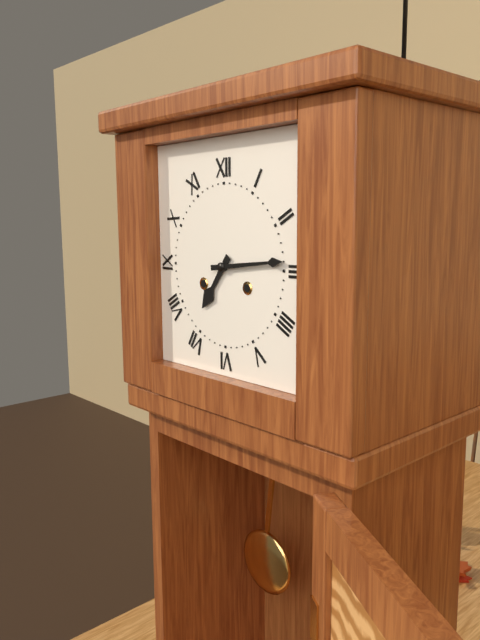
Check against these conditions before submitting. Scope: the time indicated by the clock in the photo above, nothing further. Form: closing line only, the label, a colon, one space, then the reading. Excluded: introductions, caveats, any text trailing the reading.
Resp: 7:14
